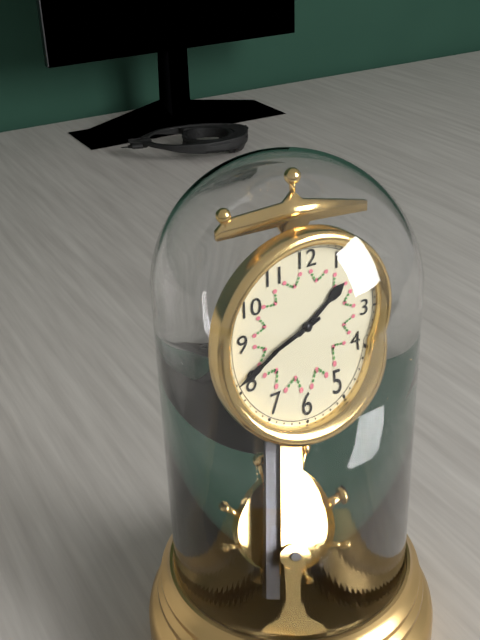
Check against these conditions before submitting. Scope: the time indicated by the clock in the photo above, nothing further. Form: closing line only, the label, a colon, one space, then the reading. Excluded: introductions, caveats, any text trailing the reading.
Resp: 1:41
